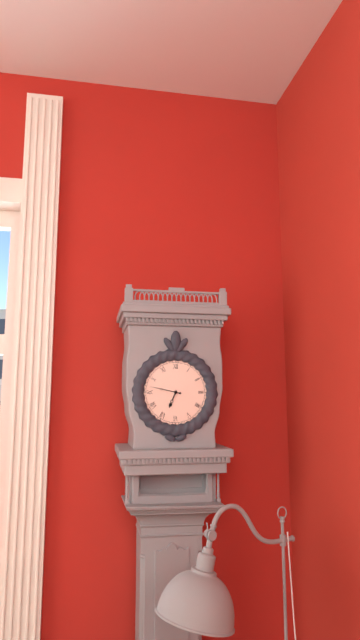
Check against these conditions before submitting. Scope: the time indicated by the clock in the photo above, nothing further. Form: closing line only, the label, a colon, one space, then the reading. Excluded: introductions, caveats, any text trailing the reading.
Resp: 6:47
